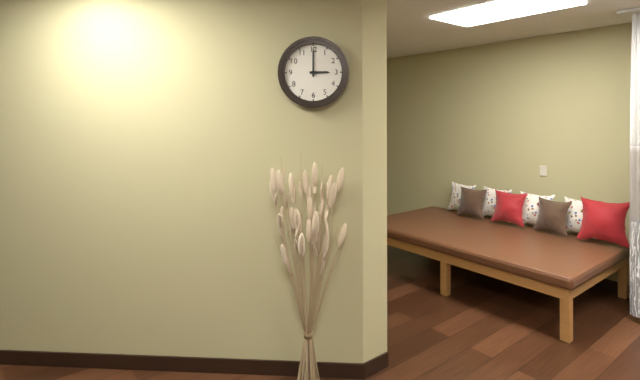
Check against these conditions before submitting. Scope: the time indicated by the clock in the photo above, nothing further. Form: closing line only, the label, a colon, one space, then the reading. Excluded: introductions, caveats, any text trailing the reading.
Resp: 3:00
